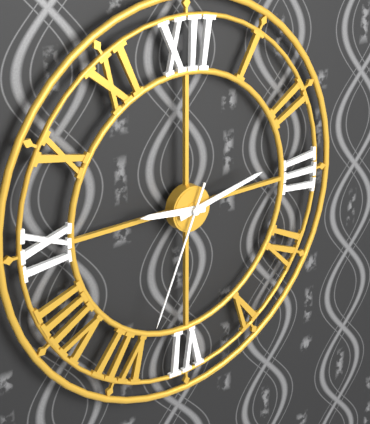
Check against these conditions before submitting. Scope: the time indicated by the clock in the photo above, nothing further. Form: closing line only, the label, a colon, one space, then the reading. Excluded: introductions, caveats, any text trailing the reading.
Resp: 9:13:34
